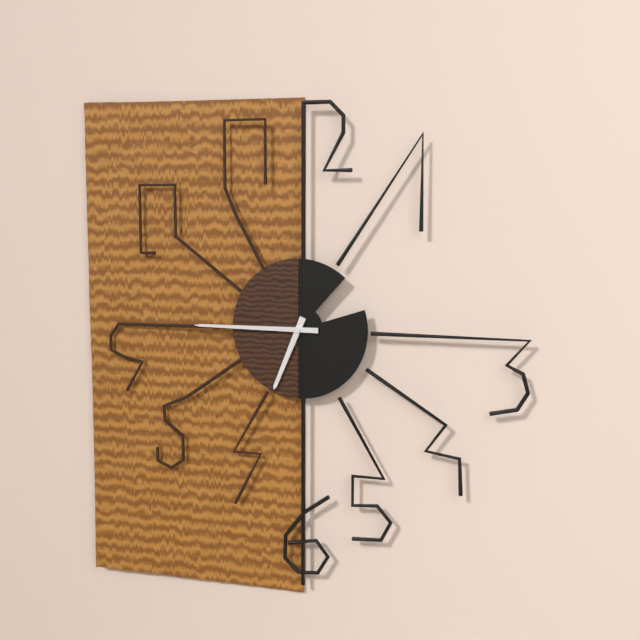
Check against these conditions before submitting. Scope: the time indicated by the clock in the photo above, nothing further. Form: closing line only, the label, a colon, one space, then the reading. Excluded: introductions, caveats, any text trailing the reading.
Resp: 6:45
